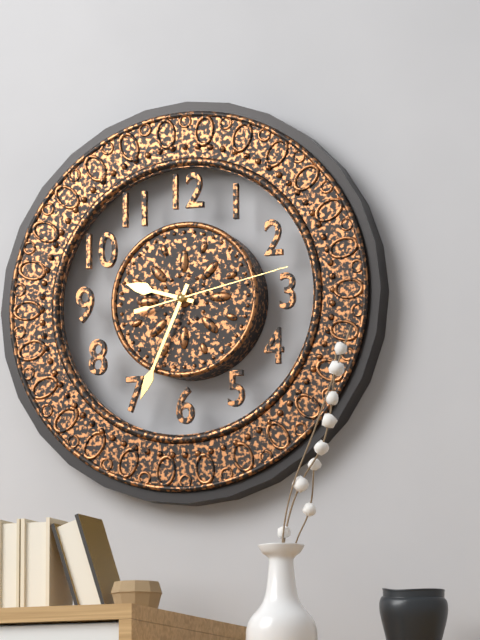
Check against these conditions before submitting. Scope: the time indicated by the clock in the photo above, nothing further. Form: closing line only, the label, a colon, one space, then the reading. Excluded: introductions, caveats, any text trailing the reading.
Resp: 9:34:13
